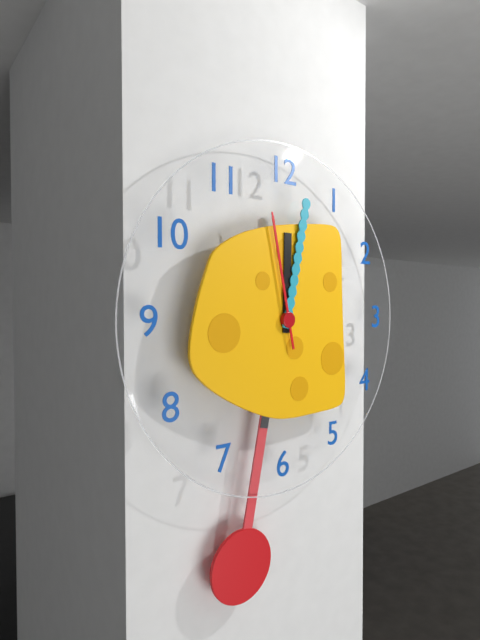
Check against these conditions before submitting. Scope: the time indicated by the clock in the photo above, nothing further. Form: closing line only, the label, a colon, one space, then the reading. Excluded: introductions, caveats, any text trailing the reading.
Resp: 12:02:58
